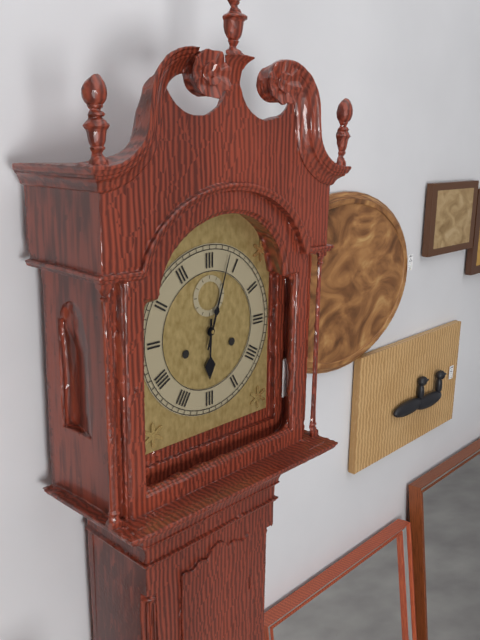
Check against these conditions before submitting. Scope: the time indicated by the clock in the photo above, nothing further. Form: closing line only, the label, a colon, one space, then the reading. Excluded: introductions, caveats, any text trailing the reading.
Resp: 6:03
